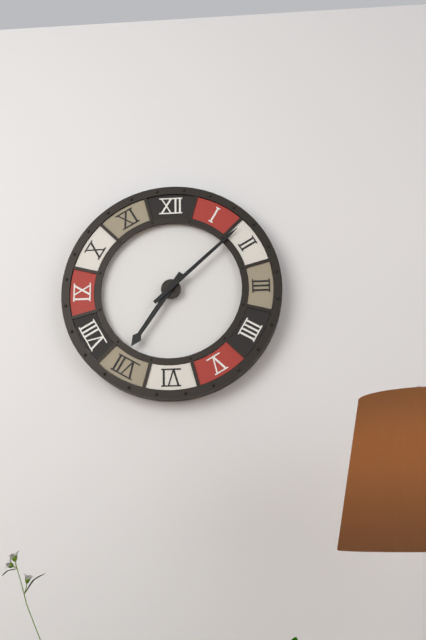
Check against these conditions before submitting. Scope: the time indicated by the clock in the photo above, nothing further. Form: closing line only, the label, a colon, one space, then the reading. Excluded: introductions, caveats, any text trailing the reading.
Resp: 7:08
